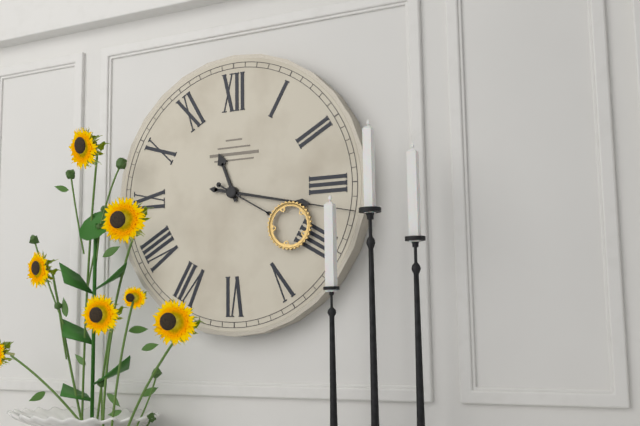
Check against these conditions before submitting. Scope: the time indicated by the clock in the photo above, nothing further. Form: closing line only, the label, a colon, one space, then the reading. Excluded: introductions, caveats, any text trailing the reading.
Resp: 11:17:20
